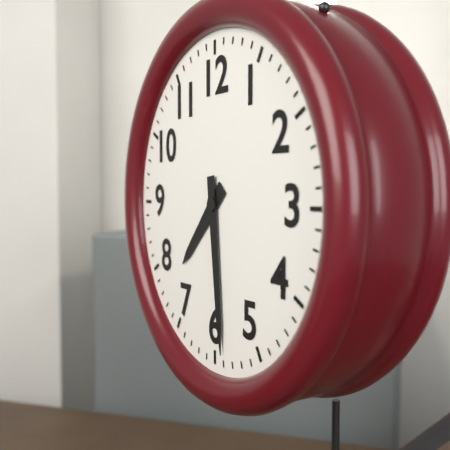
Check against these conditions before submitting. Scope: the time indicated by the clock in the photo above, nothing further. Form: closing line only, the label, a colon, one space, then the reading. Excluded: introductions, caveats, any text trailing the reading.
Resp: 7:29
